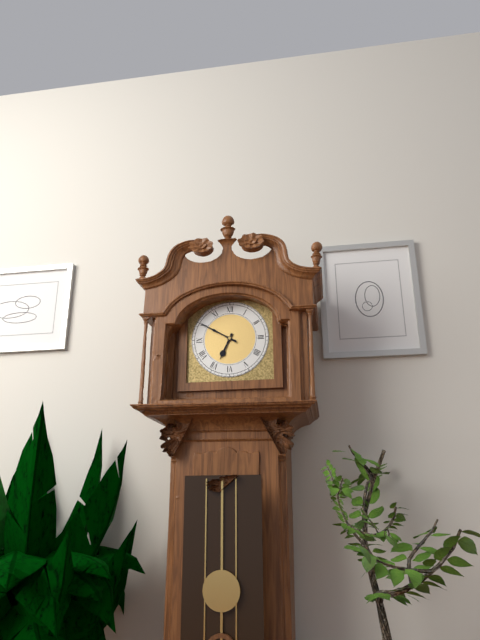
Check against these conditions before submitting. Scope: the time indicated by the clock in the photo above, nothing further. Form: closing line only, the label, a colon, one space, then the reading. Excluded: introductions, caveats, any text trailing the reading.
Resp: 6:50
